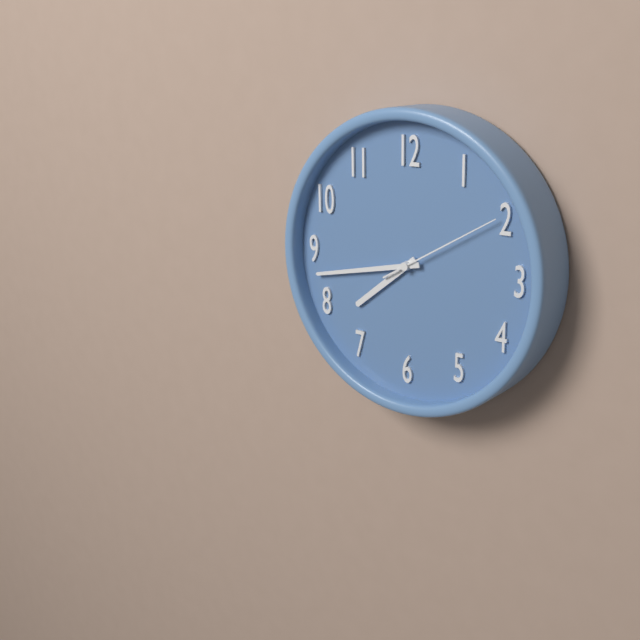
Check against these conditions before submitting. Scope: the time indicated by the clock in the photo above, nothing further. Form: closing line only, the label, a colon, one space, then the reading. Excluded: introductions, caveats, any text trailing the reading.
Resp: 7:43:10
